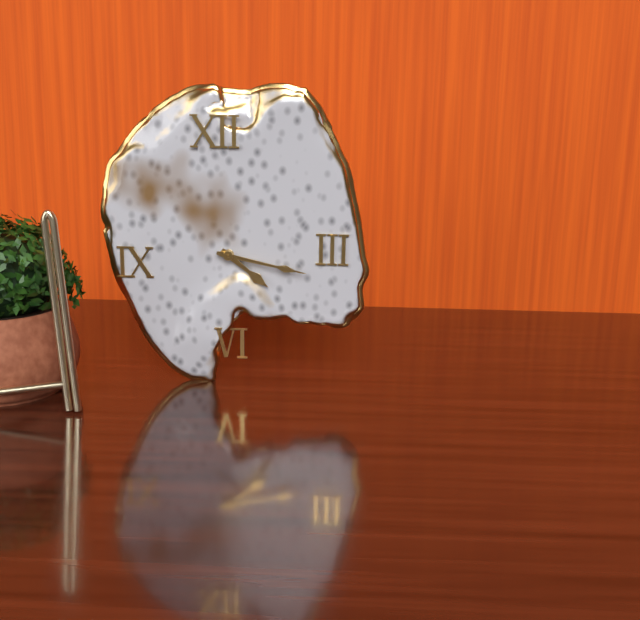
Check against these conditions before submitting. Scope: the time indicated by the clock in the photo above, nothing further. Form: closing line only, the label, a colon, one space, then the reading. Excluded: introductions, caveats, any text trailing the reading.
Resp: 4:17
